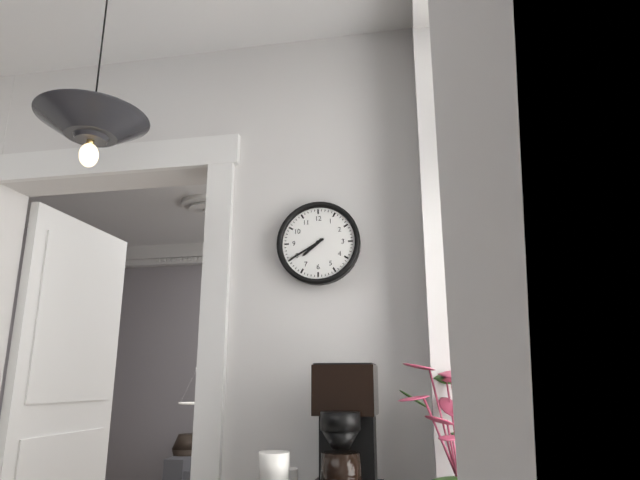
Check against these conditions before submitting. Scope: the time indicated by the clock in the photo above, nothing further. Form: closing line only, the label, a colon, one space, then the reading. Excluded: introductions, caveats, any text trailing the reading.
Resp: 7:40
